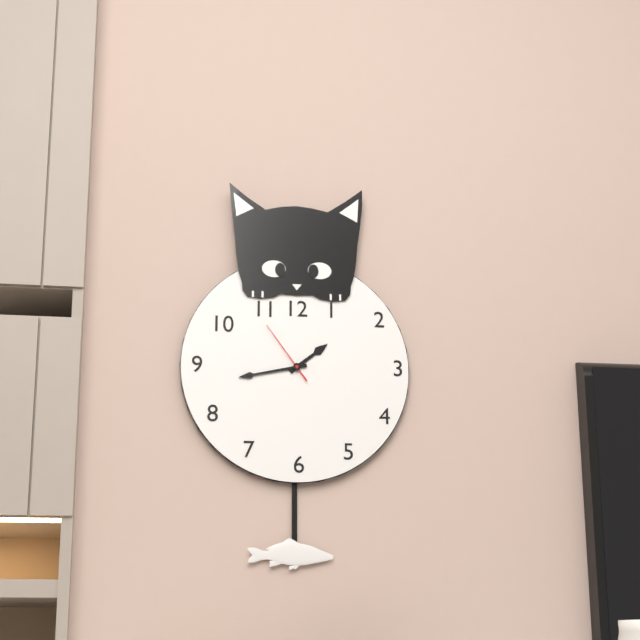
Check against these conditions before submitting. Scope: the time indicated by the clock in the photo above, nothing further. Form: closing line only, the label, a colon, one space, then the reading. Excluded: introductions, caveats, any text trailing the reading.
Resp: 1:43:54
